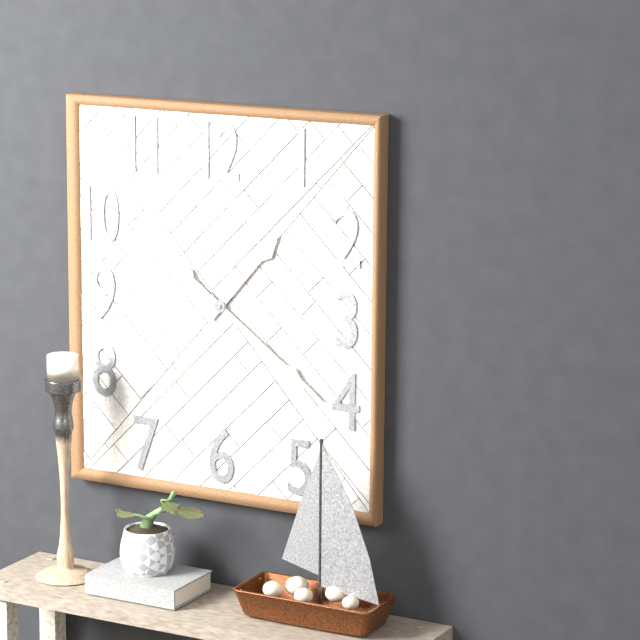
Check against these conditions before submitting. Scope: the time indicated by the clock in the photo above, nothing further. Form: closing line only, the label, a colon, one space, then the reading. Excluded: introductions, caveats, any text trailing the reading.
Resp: 1:21
